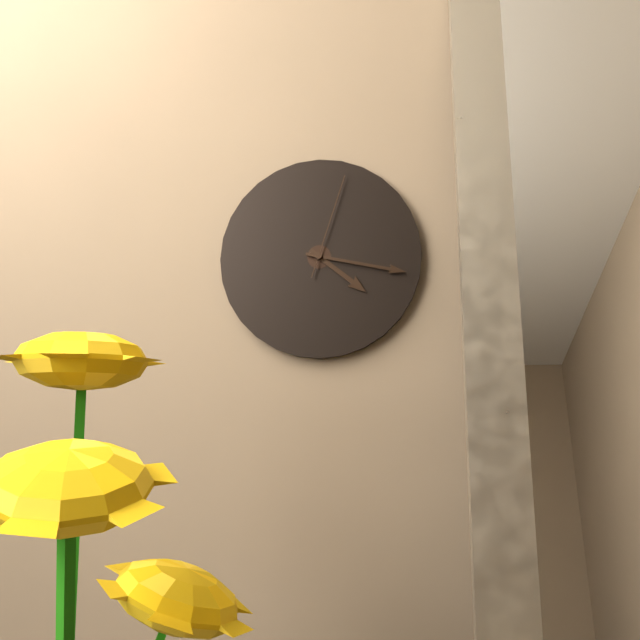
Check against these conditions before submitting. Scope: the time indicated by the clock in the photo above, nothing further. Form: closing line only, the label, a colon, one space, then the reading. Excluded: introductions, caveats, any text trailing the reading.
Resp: 4:17:03
